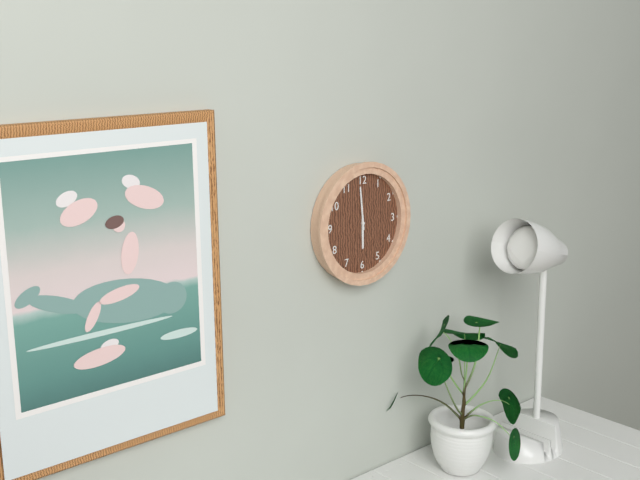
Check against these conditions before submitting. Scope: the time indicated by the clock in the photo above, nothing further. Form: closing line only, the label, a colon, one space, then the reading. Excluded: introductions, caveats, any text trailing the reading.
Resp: 5:59
